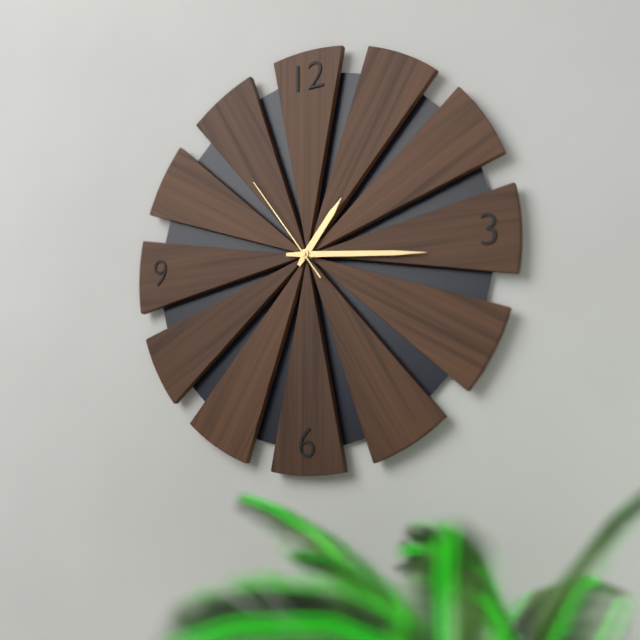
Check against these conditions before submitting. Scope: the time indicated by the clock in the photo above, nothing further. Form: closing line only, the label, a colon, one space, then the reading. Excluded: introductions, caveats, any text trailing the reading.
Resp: 1:16:54
